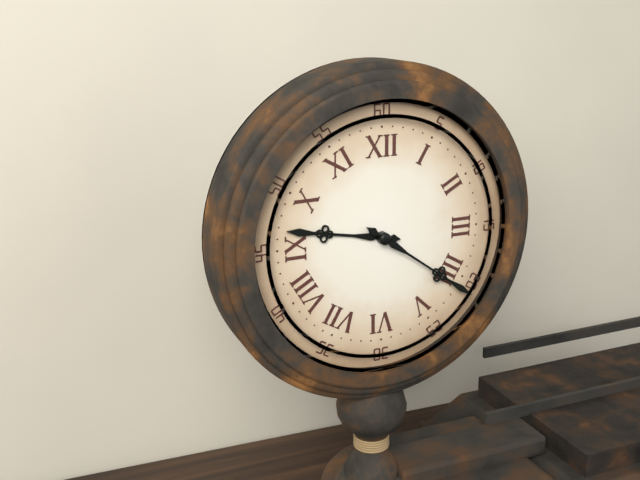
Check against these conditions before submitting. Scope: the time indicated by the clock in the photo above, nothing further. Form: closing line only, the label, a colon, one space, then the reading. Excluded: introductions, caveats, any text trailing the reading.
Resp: 9:21
